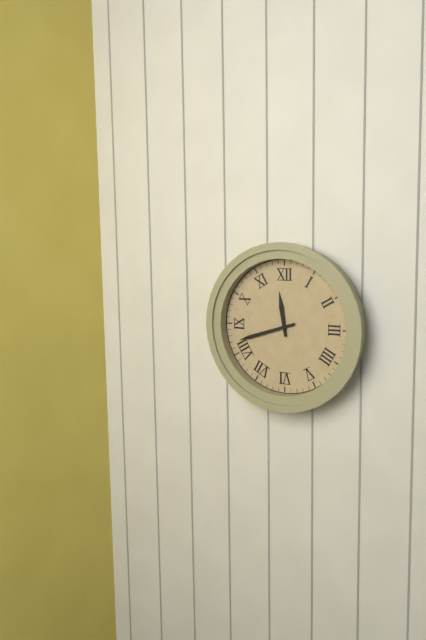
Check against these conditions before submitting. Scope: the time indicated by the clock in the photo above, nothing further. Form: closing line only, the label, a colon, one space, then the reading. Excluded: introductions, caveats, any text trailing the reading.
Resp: 11:42
